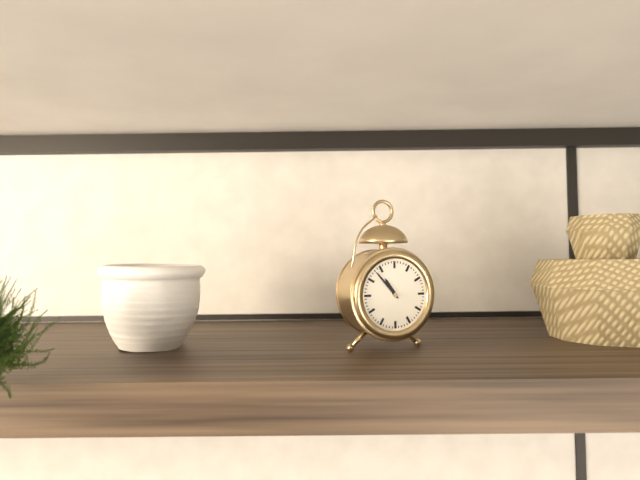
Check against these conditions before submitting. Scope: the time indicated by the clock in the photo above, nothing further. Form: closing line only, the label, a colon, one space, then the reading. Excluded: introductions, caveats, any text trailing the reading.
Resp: 10:53
